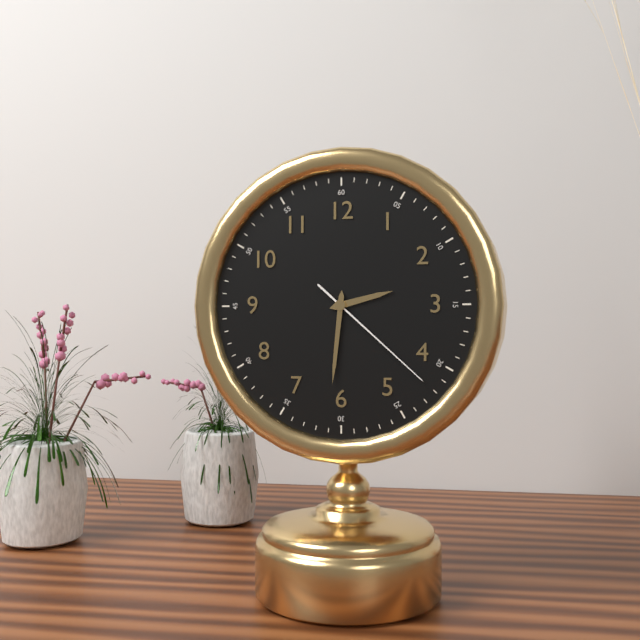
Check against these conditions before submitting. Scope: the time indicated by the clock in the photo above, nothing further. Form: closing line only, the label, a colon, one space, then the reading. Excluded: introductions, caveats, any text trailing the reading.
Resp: 2:31:22
